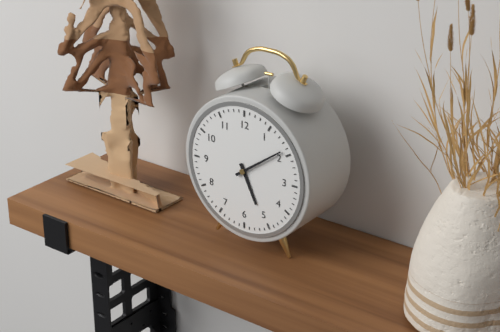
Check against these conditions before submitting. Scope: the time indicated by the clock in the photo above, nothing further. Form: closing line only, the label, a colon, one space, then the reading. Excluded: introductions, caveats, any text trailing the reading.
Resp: 5:09
